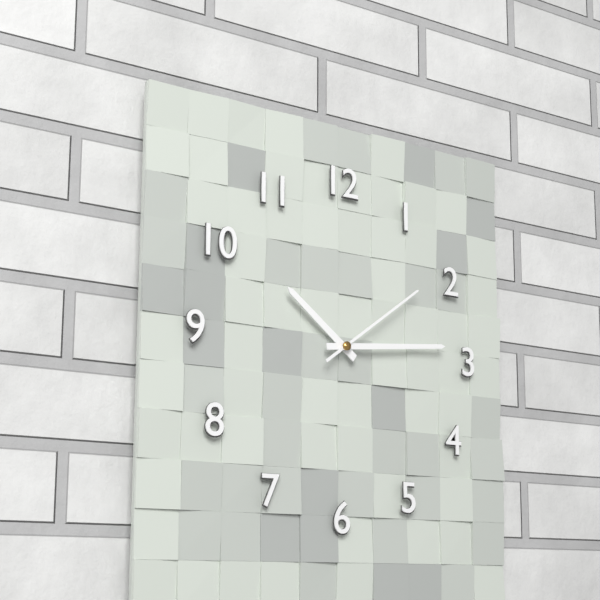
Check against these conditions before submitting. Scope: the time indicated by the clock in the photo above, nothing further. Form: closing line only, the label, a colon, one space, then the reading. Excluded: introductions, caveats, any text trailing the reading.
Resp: 10:14:09
